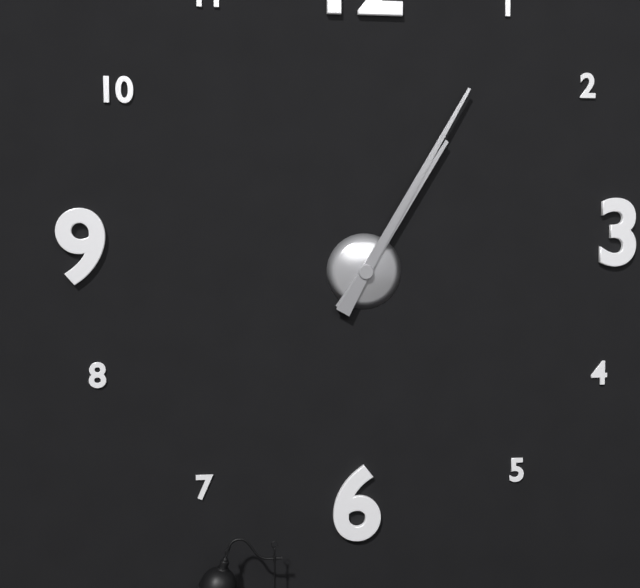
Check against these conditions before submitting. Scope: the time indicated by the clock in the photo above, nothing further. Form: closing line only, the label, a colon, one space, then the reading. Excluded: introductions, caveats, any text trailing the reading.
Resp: 1:05
